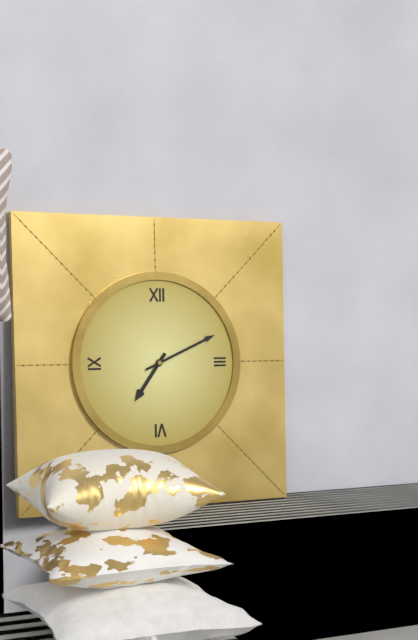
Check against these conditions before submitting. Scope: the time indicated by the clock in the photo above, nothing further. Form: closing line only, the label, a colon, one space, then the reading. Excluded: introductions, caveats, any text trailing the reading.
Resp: 7:11
